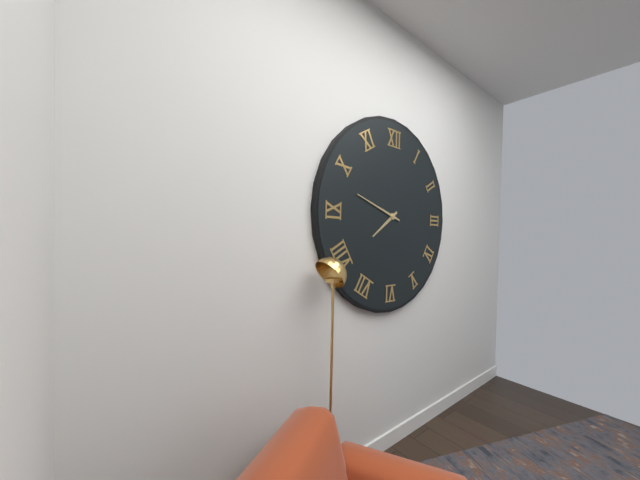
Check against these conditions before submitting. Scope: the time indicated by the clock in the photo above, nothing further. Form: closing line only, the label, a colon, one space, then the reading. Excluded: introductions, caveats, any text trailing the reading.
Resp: 7:48
